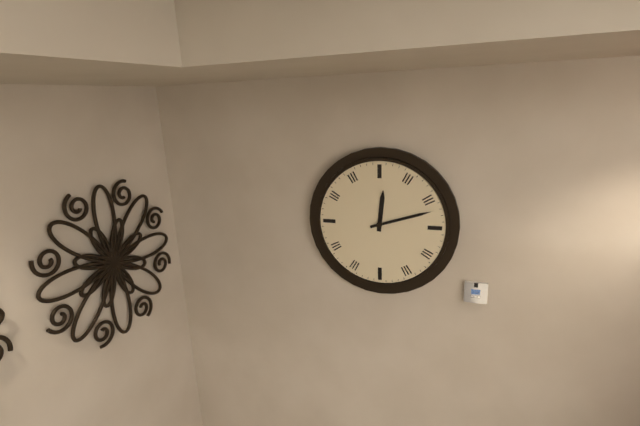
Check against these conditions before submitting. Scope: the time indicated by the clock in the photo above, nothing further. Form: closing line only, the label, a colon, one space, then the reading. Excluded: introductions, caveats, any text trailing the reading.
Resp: 12:12
